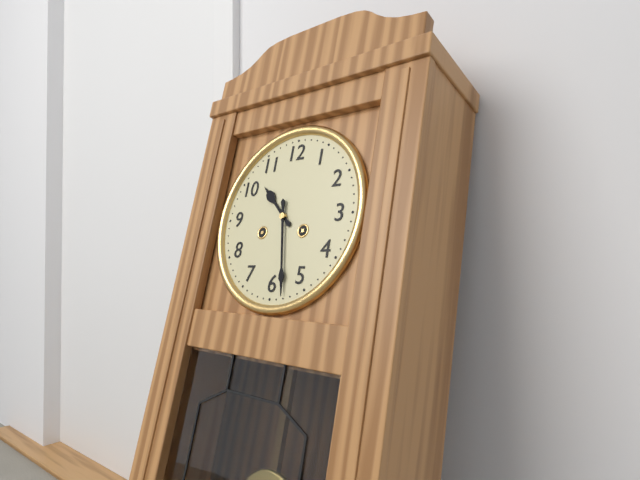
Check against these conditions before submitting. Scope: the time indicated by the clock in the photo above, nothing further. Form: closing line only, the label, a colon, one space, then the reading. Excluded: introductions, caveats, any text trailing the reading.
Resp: 10:28
